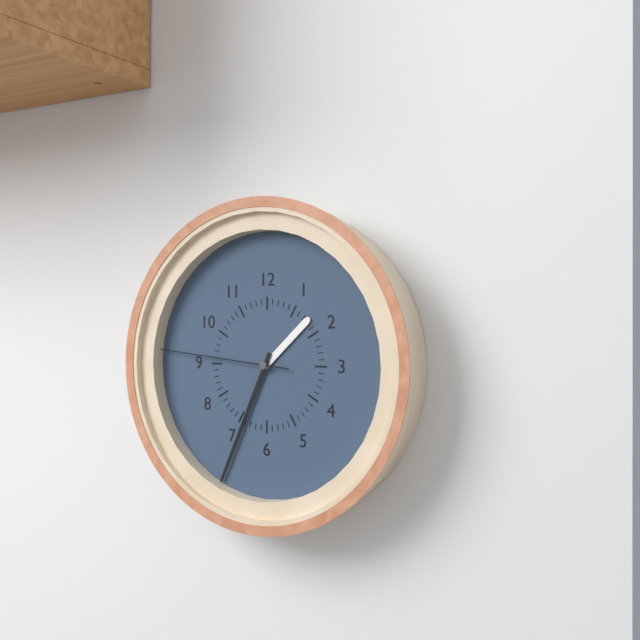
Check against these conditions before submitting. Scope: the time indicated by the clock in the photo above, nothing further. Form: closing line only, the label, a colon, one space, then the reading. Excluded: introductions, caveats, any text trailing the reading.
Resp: 1:34:46
